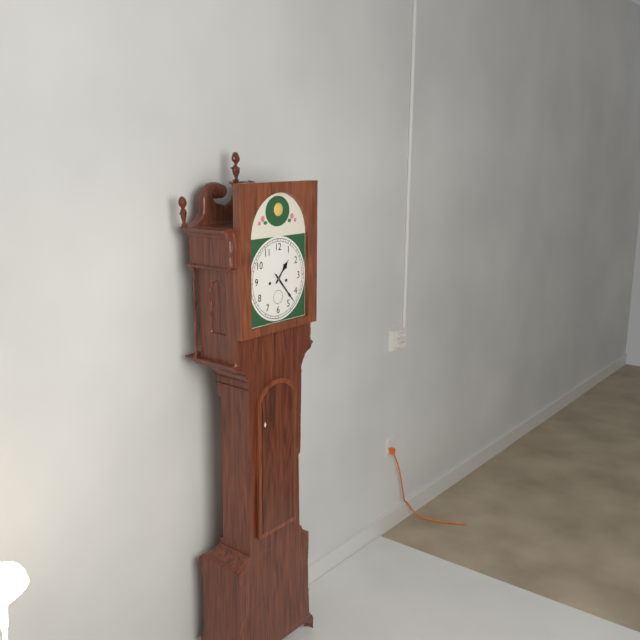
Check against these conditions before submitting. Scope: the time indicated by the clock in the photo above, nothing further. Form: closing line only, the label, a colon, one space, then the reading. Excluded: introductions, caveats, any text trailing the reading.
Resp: 1:23
